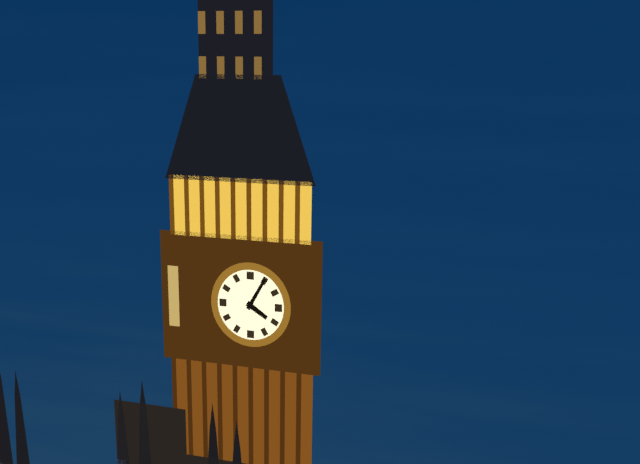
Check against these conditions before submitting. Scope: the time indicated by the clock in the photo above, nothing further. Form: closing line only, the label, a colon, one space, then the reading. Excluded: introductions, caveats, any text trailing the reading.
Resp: 4:05
